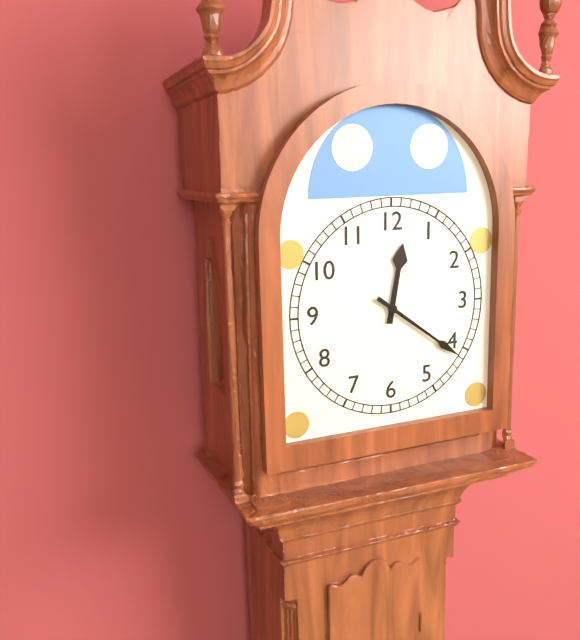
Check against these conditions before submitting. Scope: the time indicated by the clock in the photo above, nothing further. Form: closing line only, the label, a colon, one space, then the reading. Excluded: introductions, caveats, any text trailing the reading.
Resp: 12:21
